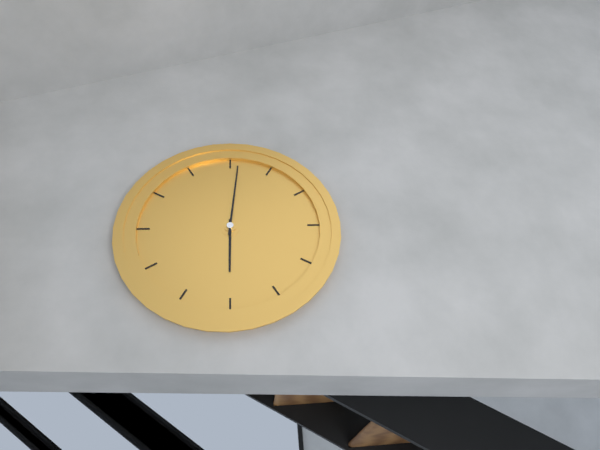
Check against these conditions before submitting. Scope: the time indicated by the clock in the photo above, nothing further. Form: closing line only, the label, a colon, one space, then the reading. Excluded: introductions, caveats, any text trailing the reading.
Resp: 6:01
